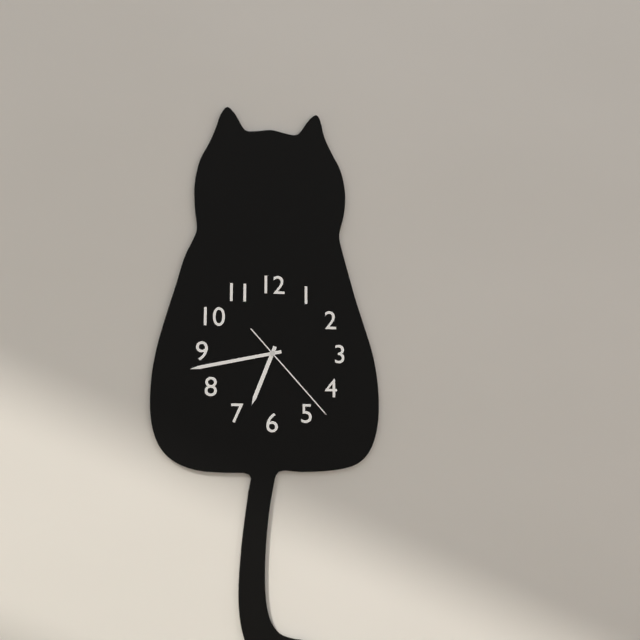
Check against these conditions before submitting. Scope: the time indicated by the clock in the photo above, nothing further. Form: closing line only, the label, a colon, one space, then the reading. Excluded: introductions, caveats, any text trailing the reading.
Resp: 6:43:23
